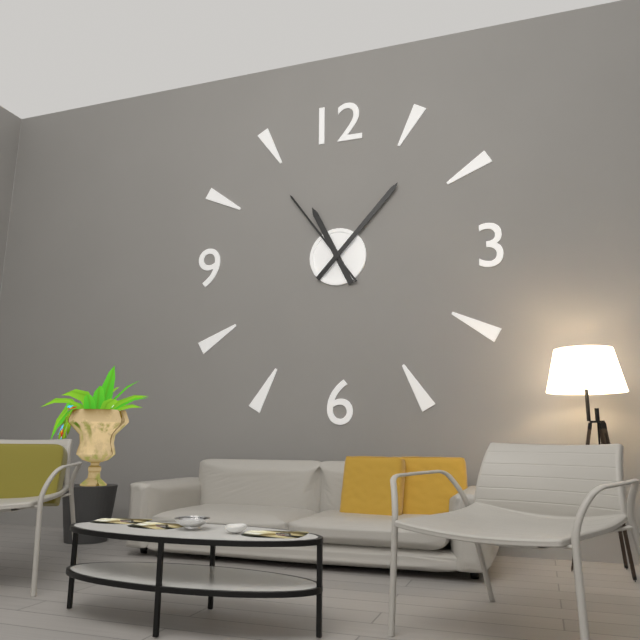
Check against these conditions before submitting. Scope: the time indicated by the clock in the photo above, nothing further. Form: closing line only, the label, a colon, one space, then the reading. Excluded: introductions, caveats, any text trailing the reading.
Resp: 11:07:54
